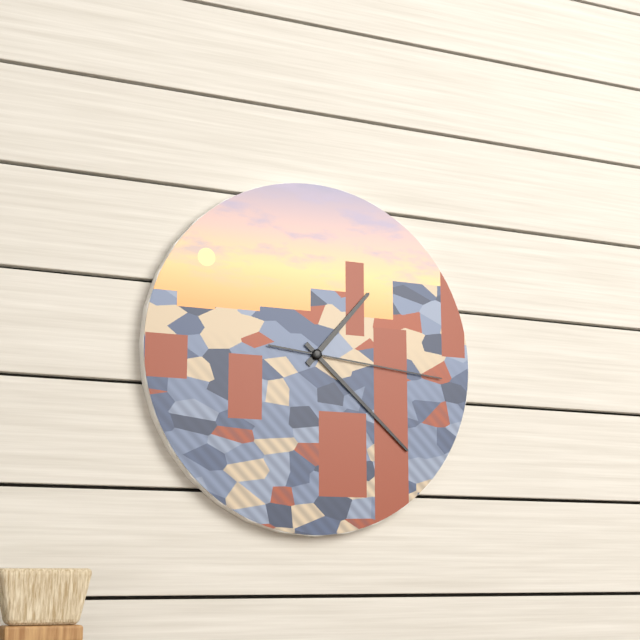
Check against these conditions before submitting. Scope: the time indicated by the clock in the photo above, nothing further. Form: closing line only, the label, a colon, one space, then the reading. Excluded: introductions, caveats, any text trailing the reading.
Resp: 1:22:16
